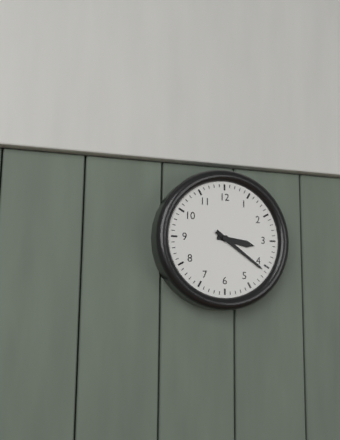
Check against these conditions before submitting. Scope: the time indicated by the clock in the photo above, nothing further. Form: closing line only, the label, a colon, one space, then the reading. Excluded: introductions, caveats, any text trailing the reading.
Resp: 3:21
